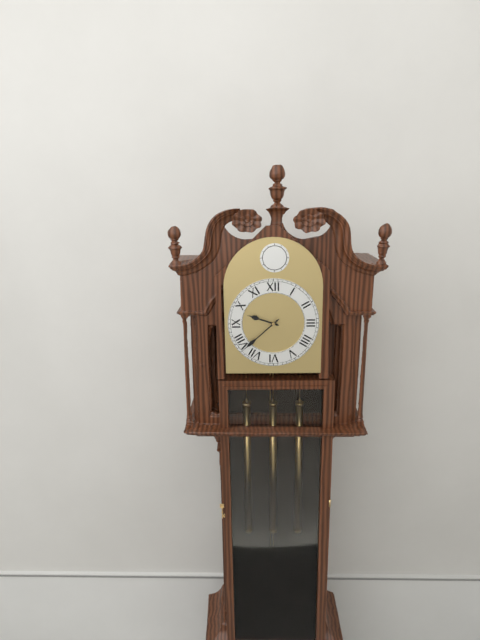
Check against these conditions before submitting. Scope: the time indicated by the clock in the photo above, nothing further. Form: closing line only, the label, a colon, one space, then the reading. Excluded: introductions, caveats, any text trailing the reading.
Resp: 9:38
